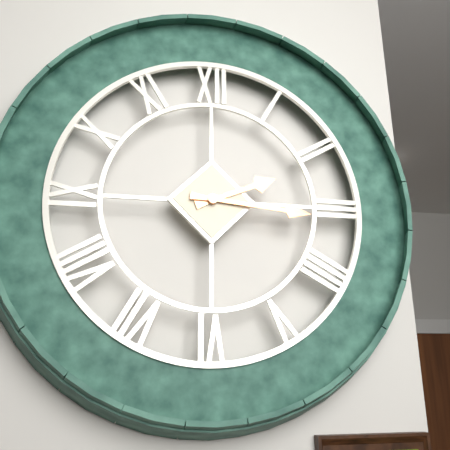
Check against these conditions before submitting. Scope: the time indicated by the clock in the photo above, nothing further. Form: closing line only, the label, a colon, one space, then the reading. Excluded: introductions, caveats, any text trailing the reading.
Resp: 2:16
